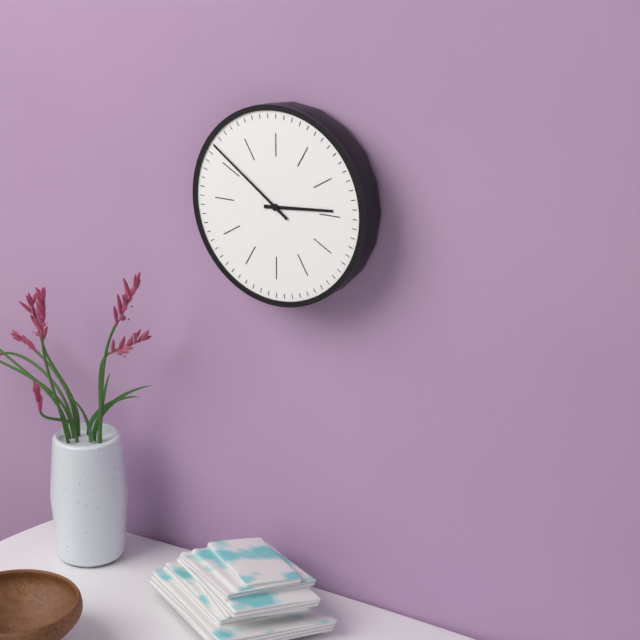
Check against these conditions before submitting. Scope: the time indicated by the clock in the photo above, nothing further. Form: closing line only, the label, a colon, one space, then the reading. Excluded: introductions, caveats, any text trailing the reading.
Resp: 2:51
